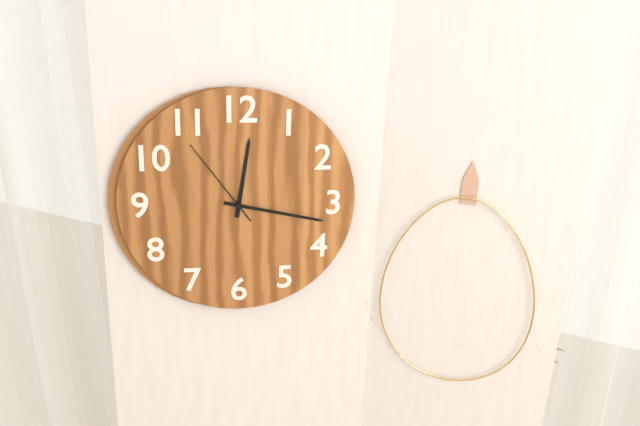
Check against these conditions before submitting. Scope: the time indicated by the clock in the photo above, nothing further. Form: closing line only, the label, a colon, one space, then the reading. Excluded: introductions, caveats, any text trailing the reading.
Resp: 12:17:54
